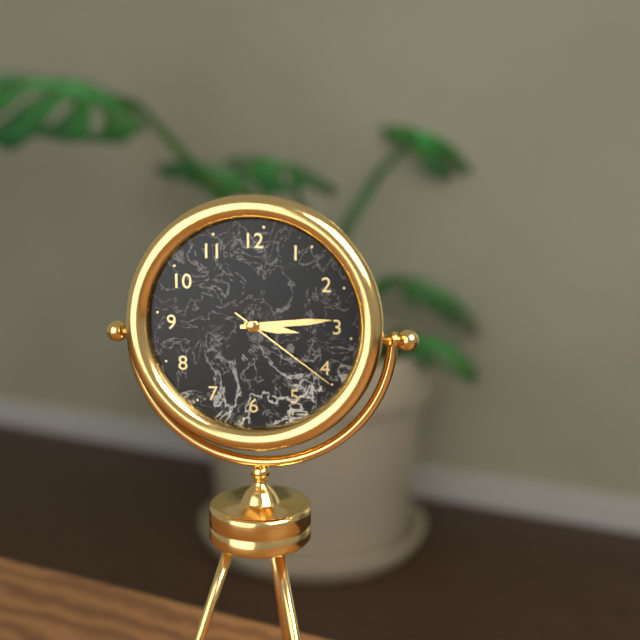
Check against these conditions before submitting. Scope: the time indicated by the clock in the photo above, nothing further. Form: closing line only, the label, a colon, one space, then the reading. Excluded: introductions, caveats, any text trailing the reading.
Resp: 3:14:21
